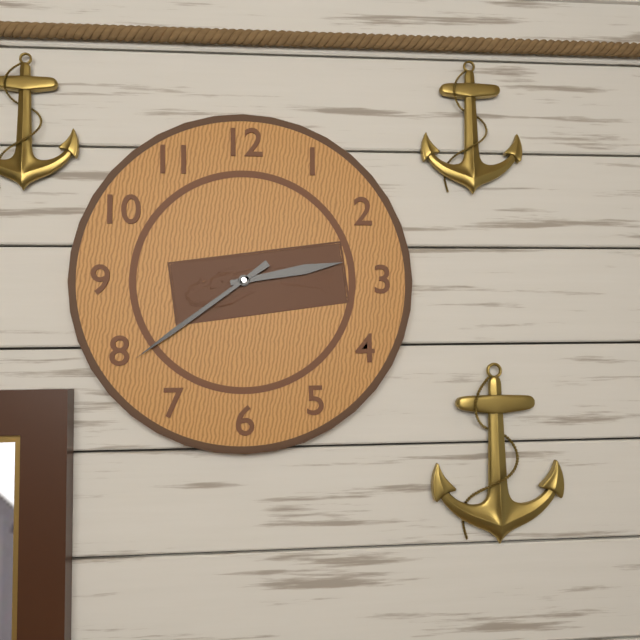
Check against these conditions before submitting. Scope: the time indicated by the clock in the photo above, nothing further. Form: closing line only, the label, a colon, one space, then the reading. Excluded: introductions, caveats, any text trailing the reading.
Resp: 2:39
